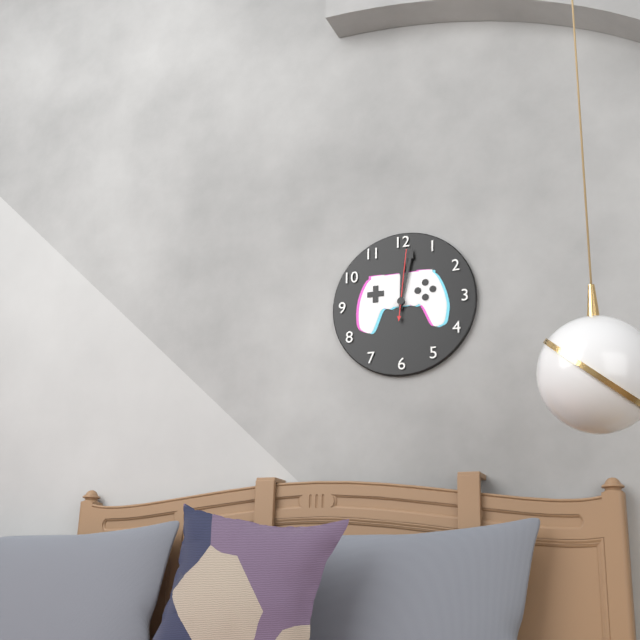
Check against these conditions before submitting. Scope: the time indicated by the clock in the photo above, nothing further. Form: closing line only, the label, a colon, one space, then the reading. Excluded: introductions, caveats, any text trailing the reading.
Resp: 12:02:01
